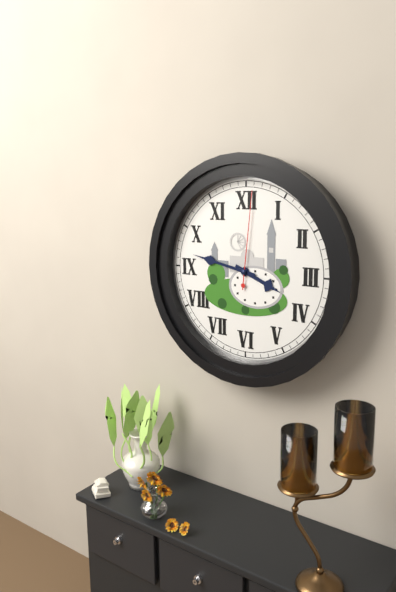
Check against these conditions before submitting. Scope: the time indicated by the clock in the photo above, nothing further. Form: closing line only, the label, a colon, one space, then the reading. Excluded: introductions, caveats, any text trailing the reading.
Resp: 3:47:01
